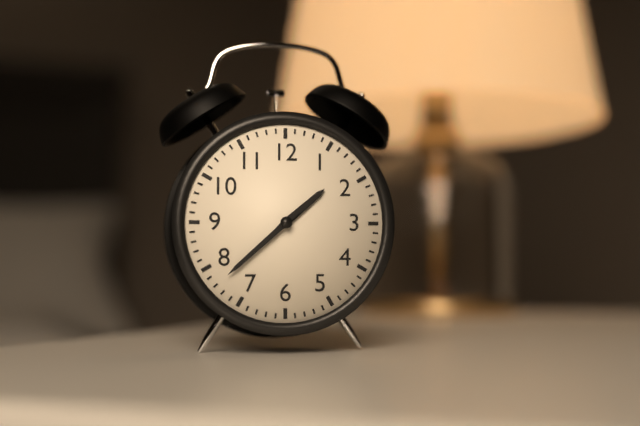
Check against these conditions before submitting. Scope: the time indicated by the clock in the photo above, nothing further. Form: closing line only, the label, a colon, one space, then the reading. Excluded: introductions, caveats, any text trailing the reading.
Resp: 1:38
